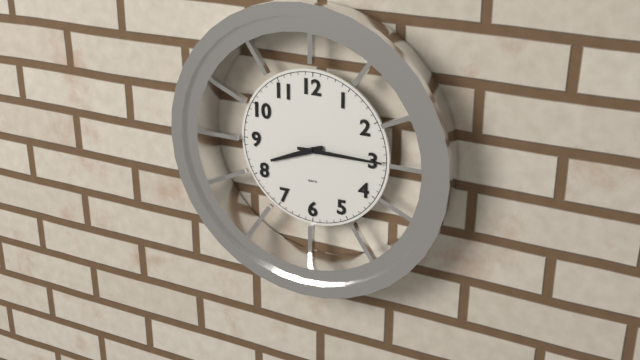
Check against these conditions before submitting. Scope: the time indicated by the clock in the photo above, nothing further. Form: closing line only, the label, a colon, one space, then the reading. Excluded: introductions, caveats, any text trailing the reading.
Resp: 8:15
